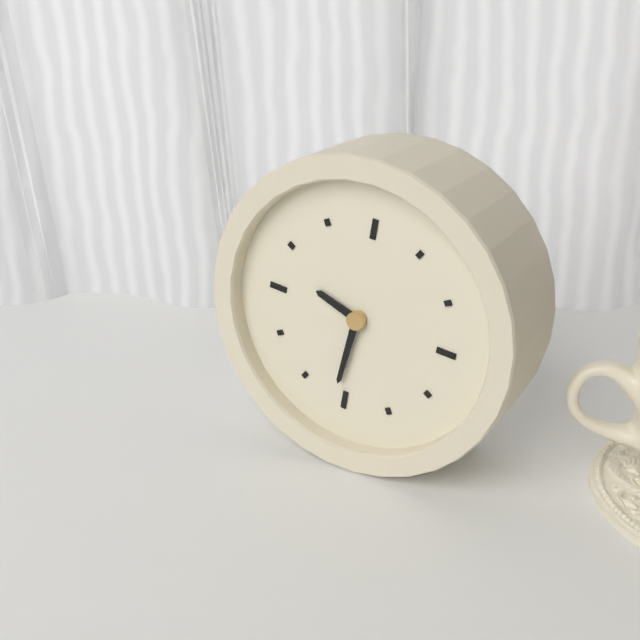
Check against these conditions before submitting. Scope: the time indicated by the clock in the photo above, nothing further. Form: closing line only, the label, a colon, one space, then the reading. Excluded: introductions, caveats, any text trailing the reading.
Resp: 9:31
